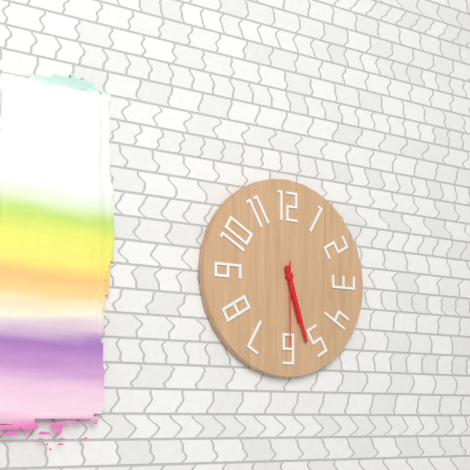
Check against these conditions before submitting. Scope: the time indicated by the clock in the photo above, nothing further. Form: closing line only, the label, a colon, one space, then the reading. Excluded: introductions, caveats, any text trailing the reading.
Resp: 5:27:30
